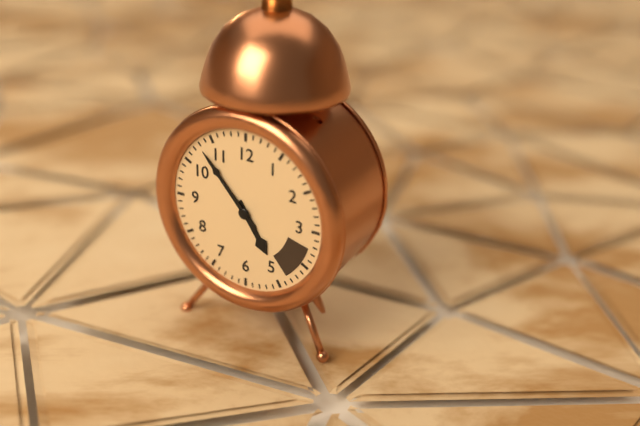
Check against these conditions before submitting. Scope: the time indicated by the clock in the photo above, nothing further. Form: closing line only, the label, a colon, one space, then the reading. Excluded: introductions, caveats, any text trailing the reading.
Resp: 4:53
